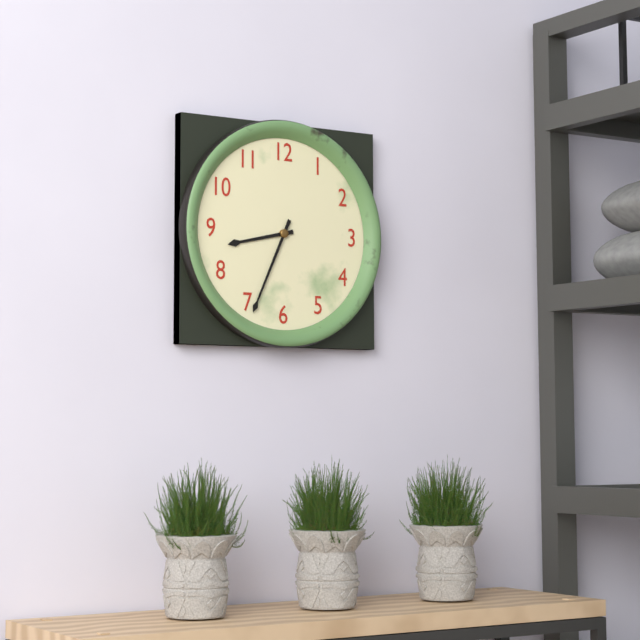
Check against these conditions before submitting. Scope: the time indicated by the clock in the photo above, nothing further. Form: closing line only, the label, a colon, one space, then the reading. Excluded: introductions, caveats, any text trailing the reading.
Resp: 8:34
